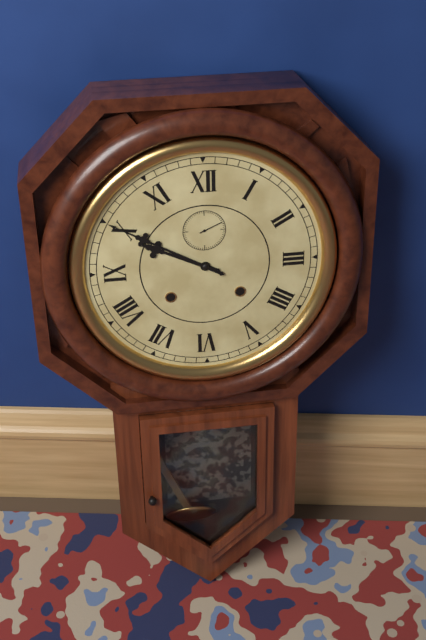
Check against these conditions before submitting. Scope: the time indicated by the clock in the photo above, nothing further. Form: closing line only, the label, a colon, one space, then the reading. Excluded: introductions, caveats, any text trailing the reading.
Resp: 9:50
